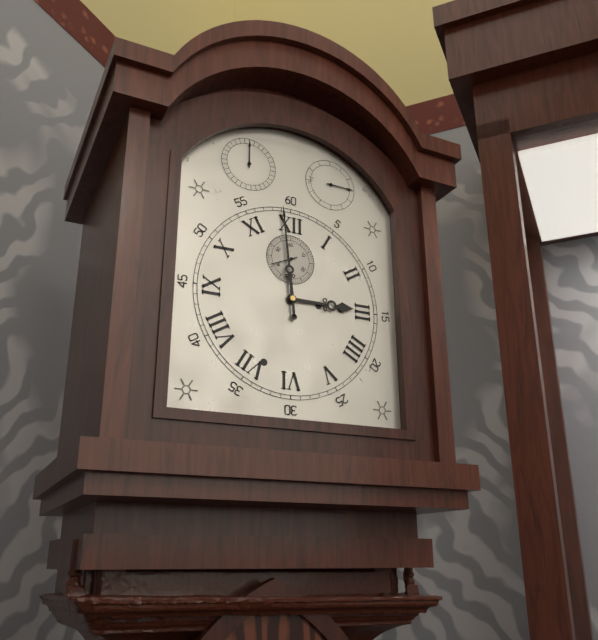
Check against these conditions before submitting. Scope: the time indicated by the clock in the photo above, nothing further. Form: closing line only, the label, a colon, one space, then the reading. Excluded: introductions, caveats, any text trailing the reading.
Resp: 2:59
